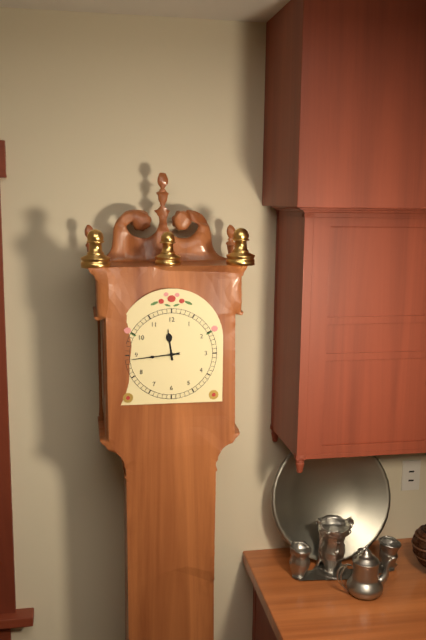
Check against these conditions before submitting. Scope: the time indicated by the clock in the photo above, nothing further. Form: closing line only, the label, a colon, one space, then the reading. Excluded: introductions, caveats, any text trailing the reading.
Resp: 11:44
